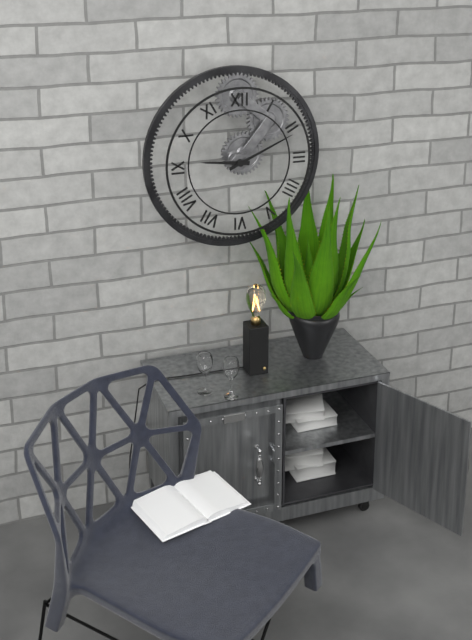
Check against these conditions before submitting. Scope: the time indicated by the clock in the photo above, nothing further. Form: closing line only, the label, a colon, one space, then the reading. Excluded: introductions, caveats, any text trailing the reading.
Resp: 9:11
